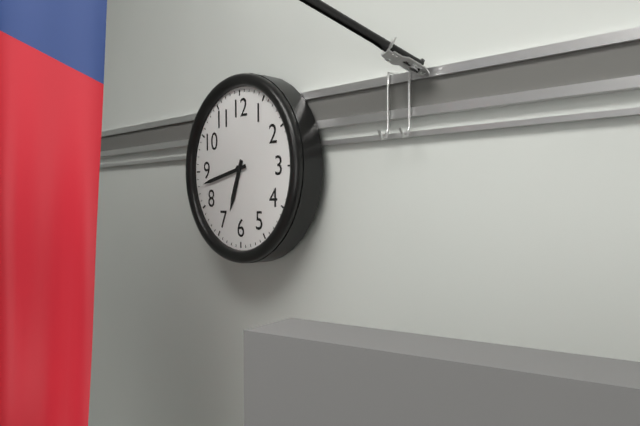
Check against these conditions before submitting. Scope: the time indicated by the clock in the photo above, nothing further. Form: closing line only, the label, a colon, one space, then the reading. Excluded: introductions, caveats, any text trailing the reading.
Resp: 6:43
